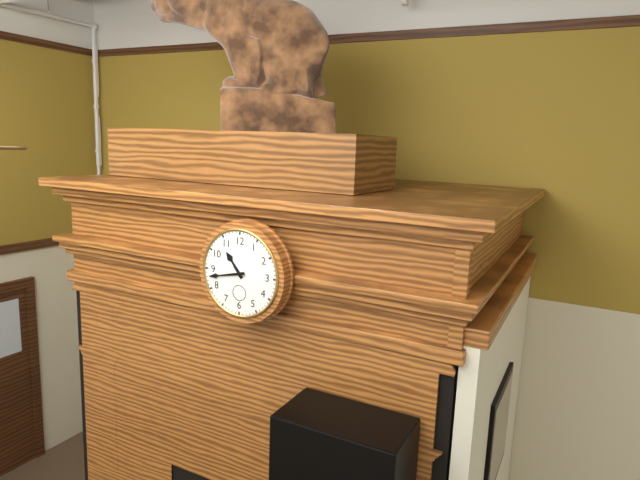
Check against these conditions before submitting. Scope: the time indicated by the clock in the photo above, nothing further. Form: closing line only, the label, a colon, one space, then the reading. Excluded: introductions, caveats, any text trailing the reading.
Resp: 10:43
